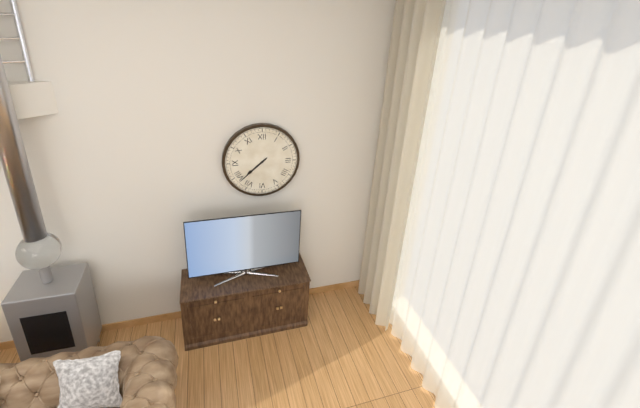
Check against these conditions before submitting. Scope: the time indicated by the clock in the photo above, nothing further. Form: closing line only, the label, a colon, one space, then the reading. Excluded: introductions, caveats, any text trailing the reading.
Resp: 7:38
